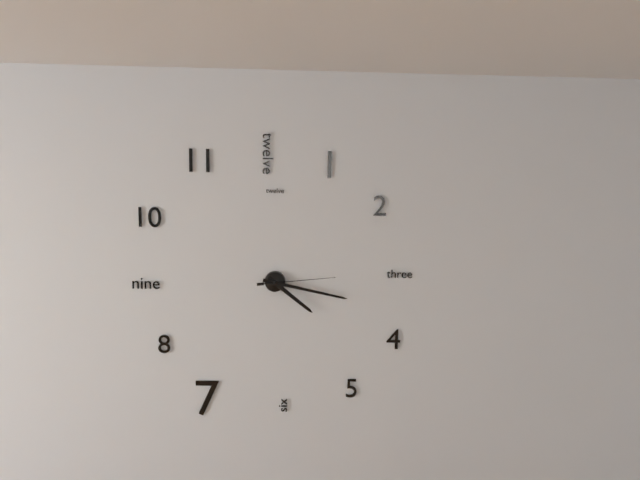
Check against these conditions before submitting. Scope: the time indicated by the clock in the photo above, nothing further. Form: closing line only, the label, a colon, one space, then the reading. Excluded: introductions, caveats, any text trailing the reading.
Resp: 4:17:14
